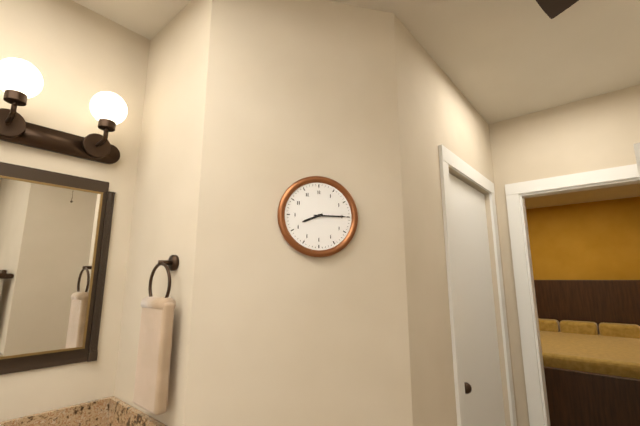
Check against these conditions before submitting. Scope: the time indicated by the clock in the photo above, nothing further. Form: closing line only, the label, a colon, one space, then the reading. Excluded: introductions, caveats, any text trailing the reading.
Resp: 8:15
